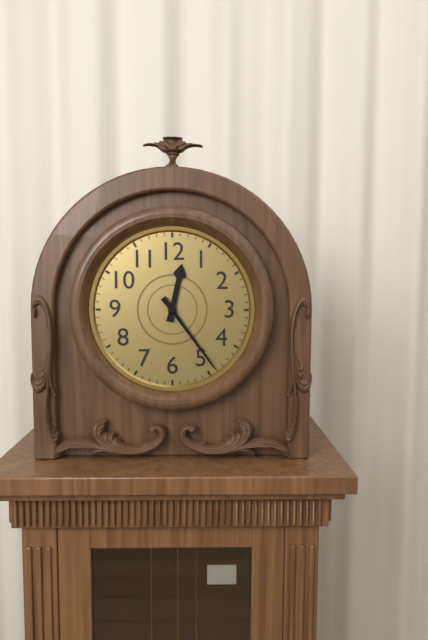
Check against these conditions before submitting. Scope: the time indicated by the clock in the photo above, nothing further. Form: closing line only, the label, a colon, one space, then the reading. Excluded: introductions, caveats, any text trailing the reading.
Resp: 12:24
